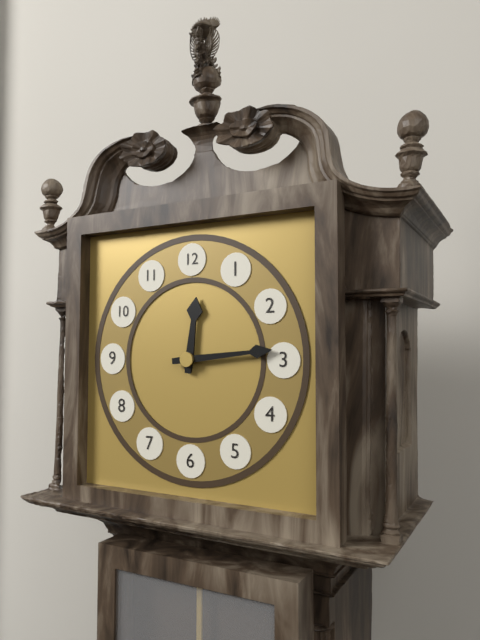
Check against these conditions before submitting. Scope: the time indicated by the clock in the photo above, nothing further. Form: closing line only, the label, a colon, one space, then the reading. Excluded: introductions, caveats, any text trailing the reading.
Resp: 12:14
